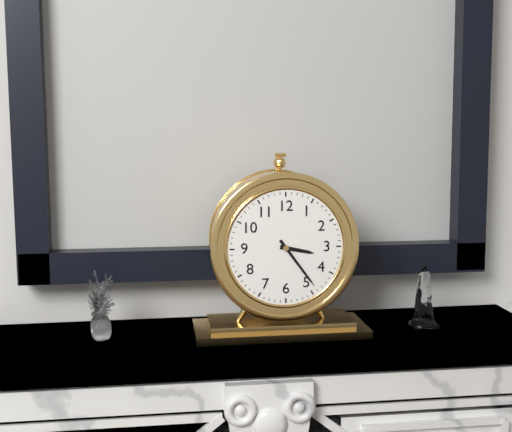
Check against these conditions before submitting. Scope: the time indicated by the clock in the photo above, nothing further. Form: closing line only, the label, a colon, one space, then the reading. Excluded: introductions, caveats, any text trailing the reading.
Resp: 3:24
